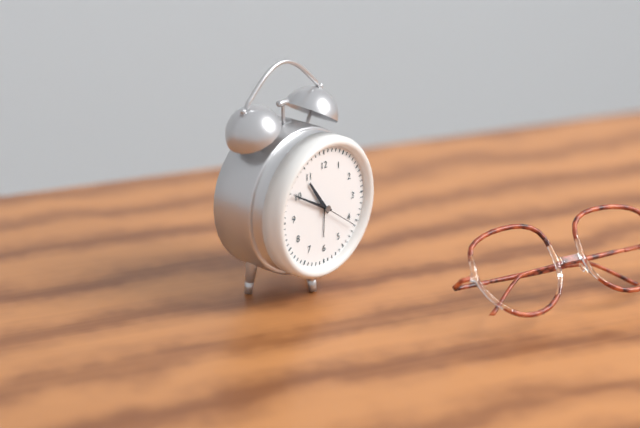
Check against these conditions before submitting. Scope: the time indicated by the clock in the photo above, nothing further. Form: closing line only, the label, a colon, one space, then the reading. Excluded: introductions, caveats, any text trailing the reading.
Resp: 10:50
